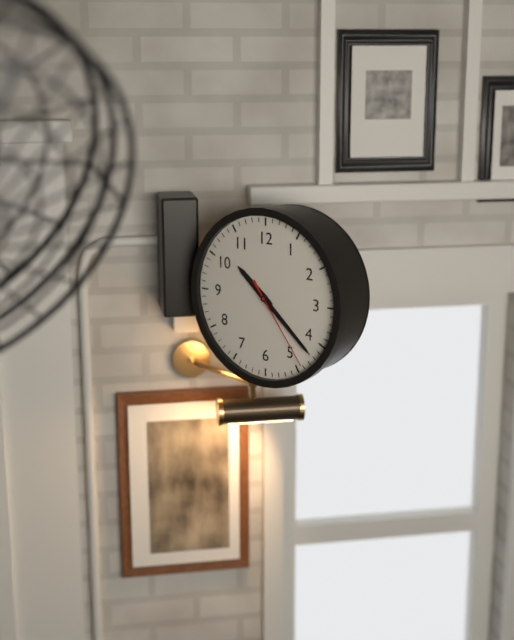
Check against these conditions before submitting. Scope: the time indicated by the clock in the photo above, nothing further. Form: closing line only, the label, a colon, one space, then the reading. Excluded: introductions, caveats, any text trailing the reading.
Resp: 10:22:24
